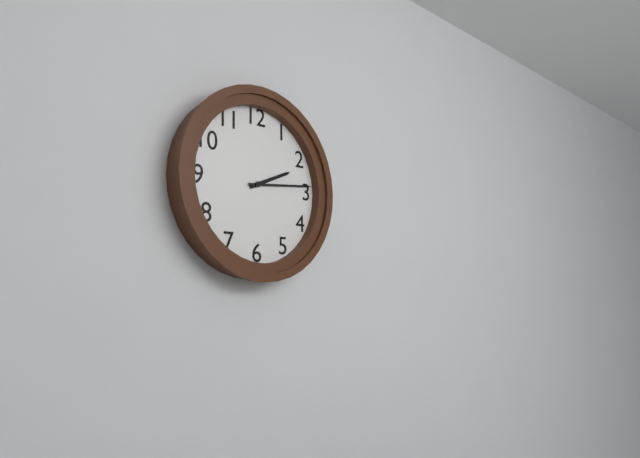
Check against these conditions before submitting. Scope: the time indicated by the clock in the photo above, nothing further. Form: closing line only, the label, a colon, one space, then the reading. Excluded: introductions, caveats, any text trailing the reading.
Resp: 2:14
